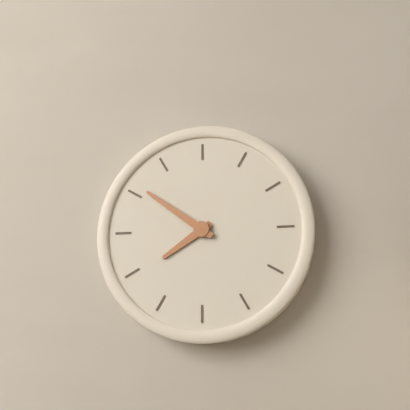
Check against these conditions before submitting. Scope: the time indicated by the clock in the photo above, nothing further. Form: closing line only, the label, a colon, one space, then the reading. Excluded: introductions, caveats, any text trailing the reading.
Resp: 7:51
